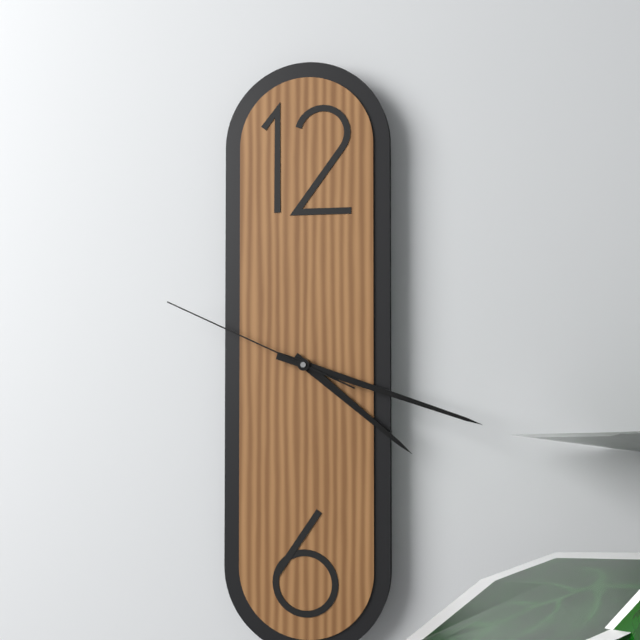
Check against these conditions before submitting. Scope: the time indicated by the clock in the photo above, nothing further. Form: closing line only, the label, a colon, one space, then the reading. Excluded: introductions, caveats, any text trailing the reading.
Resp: 4:18:49
